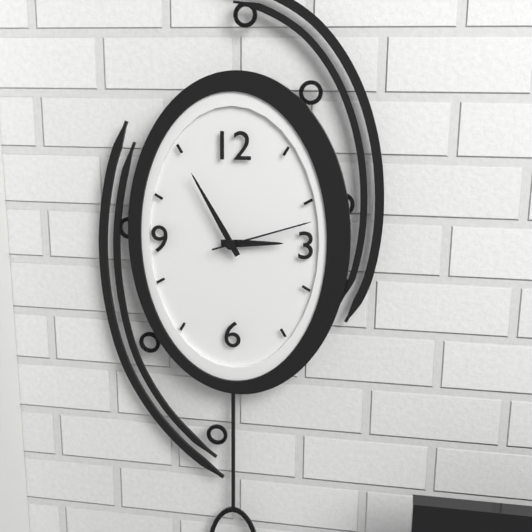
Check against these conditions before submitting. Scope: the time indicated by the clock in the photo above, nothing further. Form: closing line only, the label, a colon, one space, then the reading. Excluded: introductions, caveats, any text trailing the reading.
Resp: 2:55:12
